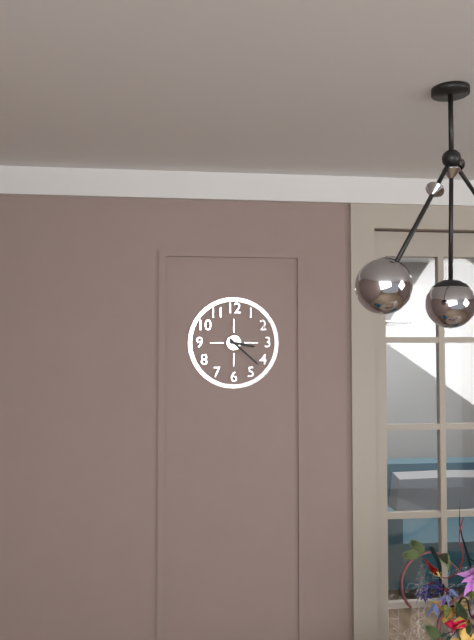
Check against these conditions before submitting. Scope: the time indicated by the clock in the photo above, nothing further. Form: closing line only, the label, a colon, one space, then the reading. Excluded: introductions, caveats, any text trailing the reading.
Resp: 3:22
